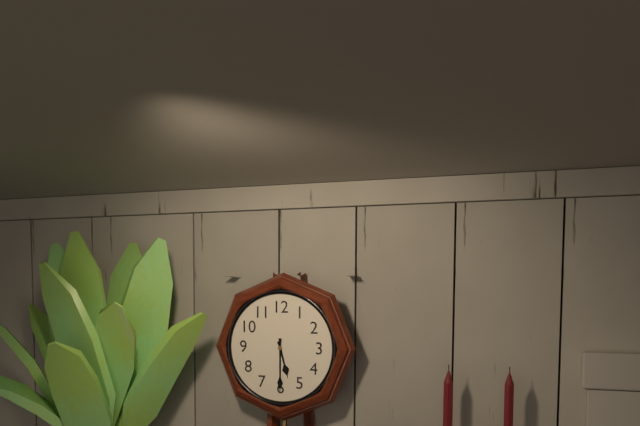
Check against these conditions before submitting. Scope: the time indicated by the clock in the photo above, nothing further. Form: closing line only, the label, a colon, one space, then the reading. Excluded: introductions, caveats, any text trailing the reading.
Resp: 5:30
